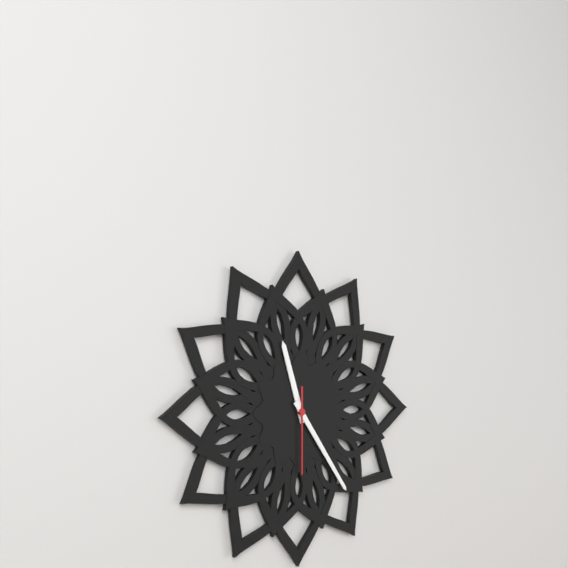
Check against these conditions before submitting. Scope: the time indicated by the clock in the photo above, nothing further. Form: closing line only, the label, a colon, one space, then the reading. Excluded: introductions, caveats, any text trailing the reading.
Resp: 11:24:30
